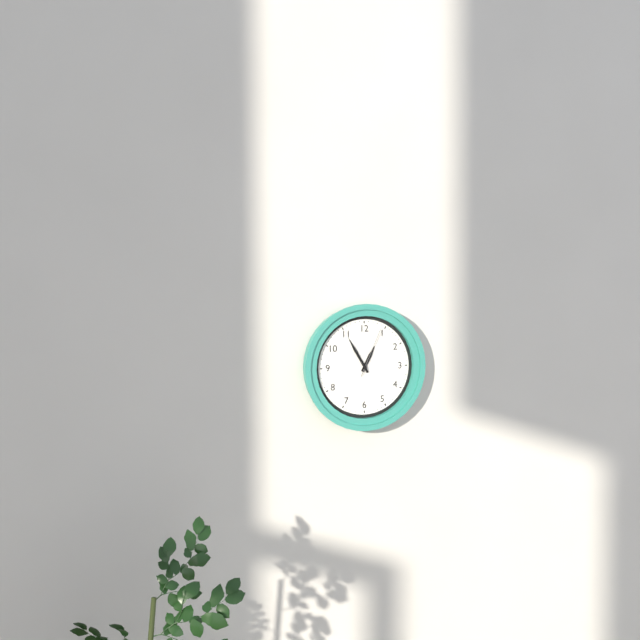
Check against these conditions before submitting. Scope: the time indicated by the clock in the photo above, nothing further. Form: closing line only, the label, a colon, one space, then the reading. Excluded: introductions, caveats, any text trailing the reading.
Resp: 12:55:04
